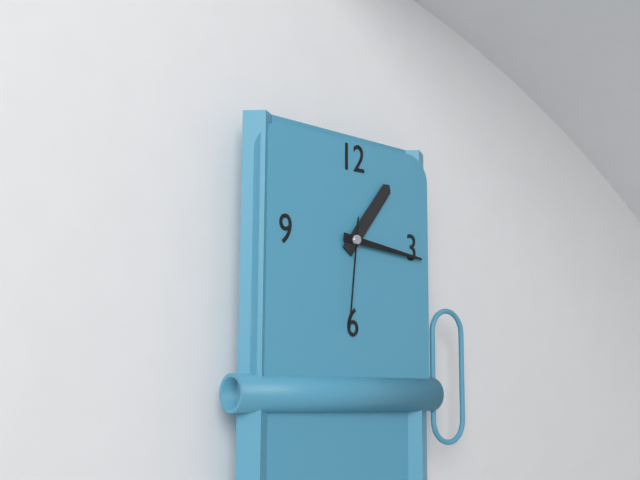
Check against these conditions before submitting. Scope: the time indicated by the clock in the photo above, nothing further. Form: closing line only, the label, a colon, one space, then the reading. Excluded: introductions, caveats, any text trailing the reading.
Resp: 1:16:31
